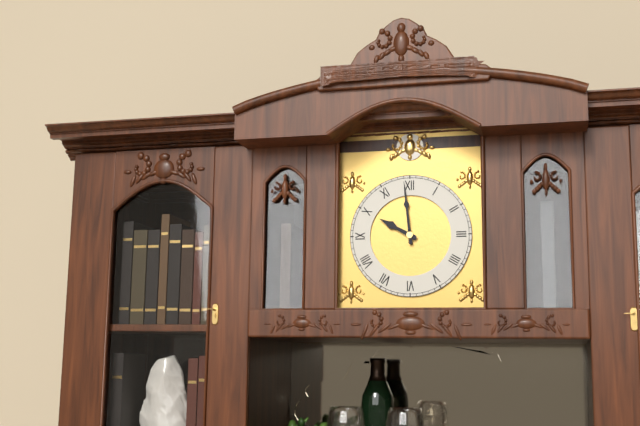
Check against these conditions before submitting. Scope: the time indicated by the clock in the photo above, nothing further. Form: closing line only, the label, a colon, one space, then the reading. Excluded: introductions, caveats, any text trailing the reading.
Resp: 9:59
